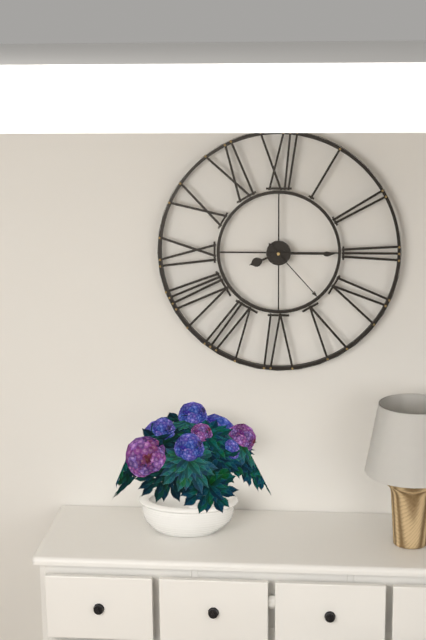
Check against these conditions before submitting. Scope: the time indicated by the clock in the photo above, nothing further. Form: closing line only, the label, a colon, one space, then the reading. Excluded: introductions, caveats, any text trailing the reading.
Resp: 8:15:23
